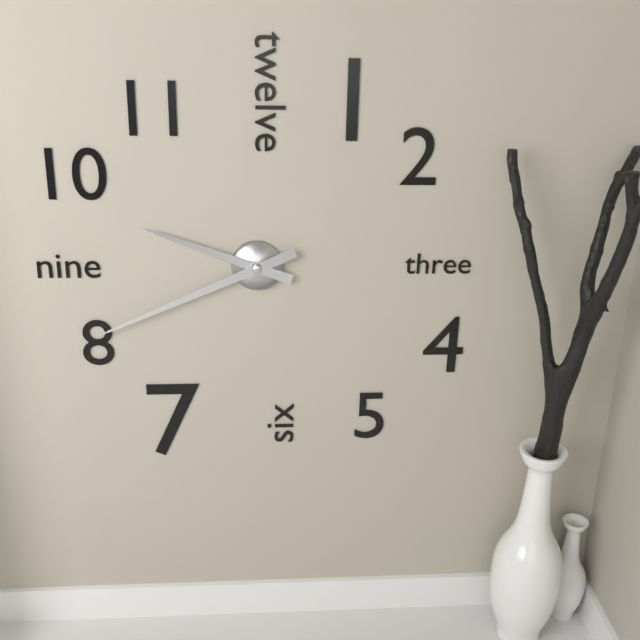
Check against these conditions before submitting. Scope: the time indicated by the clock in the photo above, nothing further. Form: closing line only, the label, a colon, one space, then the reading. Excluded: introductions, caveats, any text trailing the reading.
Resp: 9:41
